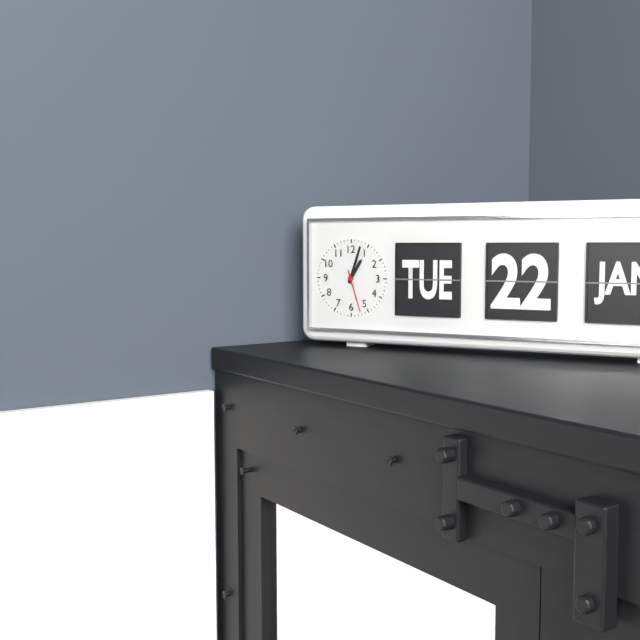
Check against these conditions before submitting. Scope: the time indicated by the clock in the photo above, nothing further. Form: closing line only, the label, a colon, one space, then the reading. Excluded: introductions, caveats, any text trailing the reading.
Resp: 1:03
